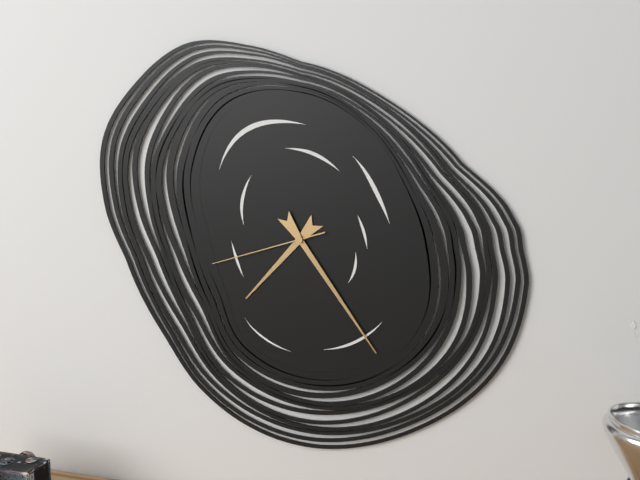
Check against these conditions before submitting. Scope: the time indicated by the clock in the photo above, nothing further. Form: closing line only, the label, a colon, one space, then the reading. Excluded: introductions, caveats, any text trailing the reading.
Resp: 7:24:42
